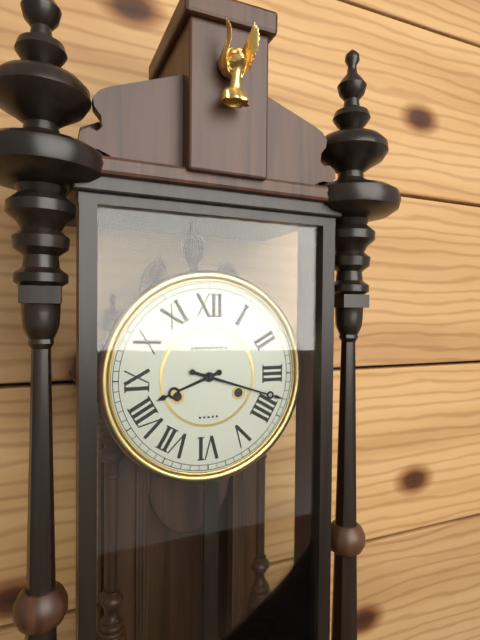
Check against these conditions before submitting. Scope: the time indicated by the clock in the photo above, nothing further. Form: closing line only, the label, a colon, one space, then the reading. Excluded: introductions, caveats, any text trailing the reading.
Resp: 8:18
